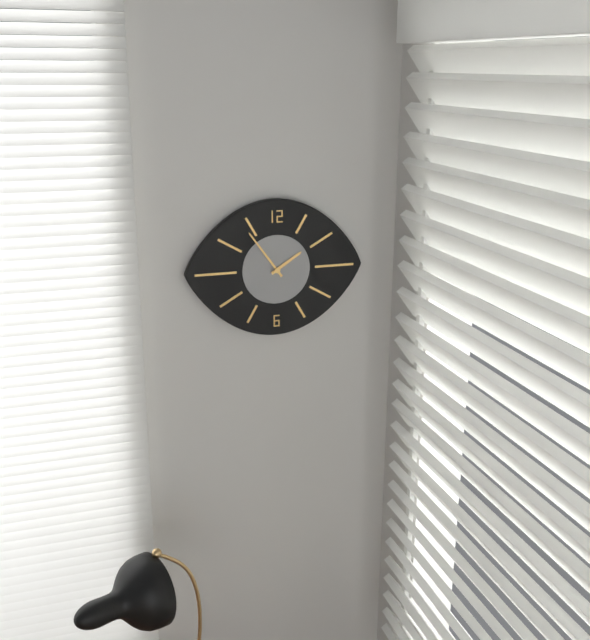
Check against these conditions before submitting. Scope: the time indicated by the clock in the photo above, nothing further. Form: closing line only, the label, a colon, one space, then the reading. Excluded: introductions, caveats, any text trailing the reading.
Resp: 1:54
